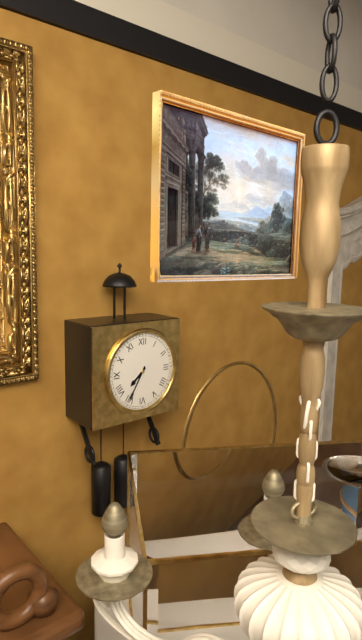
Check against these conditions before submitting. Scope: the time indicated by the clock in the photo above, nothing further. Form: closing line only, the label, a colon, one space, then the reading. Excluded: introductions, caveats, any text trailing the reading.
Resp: 7:35
